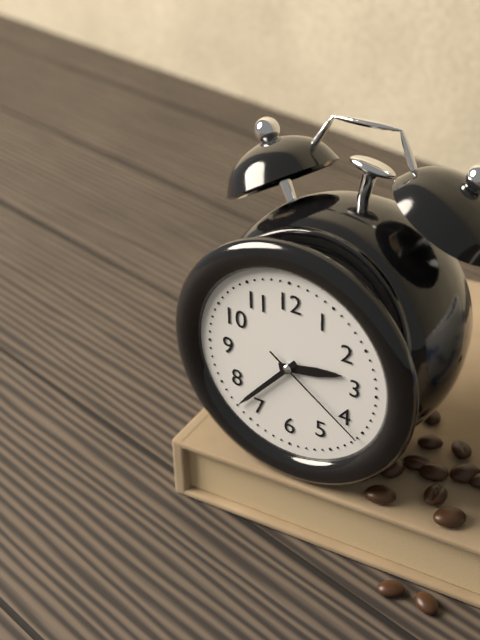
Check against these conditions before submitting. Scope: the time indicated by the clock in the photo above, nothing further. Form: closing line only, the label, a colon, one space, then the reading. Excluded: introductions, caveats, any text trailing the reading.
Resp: 2:37:21
